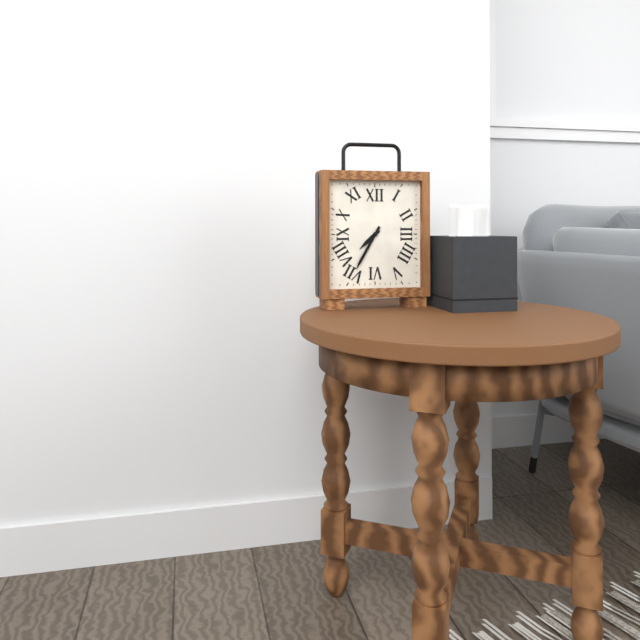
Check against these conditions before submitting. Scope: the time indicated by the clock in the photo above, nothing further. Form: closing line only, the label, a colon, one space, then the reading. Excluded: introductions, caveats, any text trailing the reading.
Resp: 7:35
